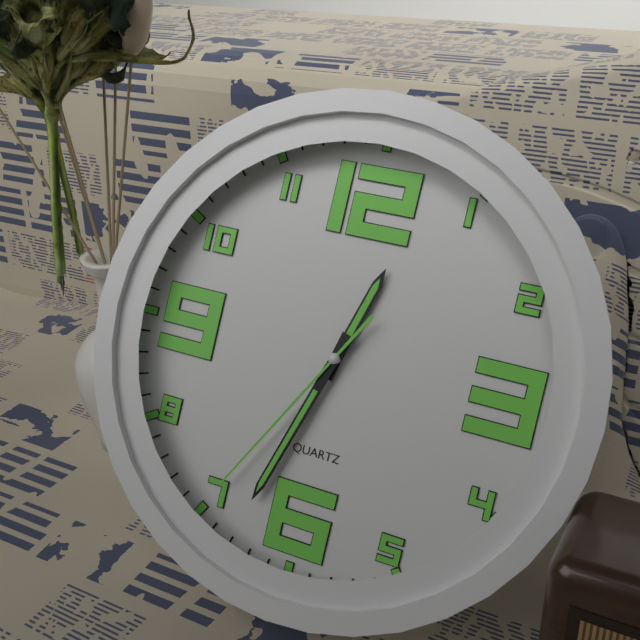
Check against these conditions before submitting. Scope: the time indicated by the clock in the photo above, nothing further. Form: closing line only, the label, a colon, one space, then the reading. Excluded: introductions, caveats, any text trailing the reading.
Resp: 12:33:35
